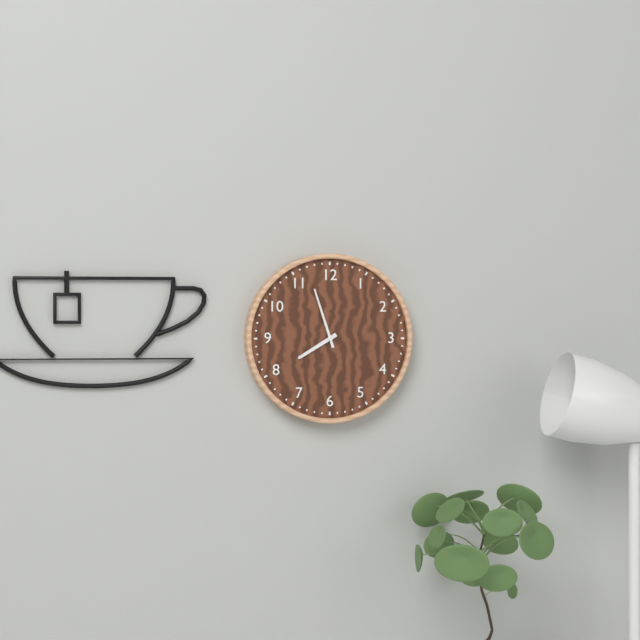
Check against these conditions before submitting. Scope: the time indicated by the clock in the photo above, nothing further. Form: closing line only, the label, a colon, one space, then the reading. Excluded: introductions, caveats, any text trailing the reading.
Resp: 7:57
